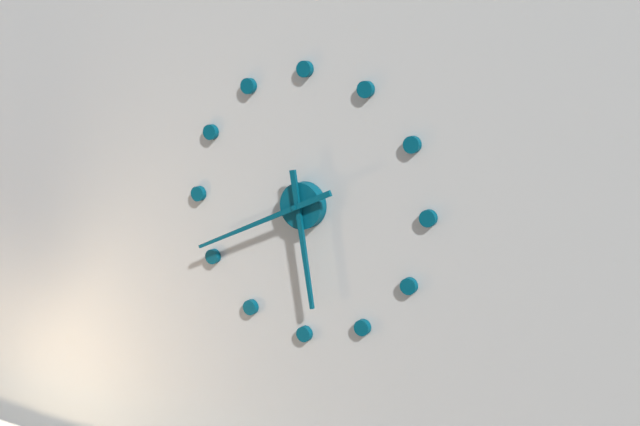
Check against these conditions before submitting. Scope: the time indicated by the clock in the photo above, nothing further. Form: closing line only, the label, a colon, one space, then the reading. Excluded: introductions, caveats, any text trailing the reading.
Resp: 5:41
